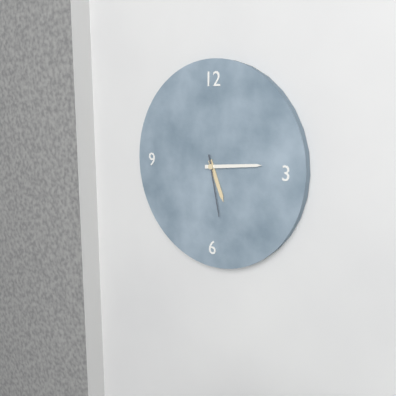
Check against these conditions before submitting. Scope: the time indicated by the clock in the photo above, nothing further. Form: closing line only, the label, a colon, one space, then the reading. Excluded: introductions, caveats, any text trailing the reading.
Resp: 5:14:28
